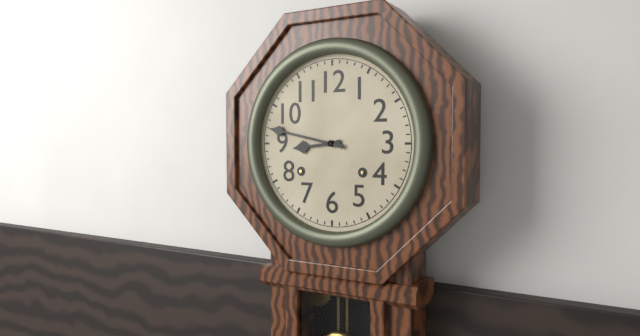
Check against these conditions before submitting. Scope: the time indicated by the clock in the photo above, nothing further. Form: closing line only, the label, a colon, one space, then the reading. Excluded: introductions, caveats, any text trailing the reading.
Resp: 8:47
